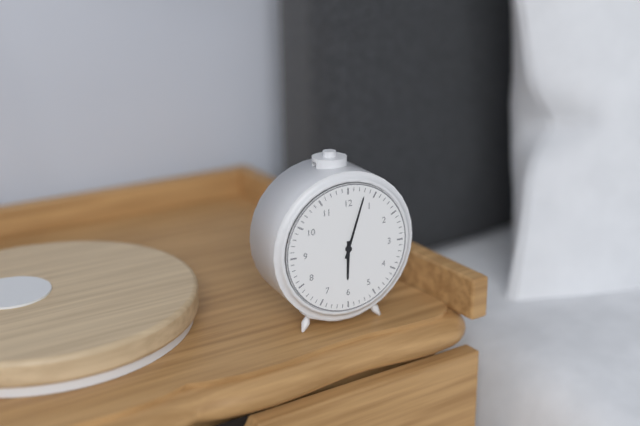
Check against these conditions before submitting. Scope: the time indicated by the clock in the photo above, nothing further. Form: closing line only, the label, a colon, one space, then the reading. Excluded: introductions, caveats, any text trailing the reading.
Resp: 6:03
